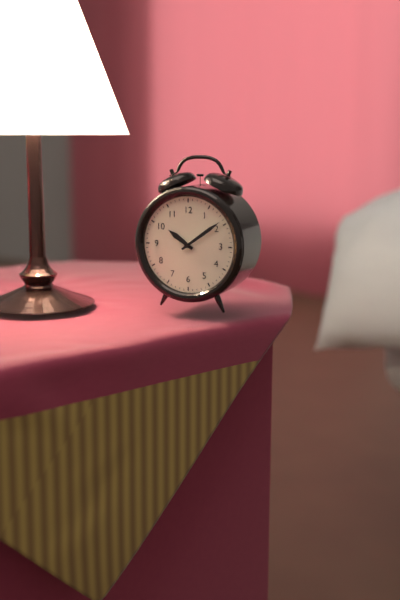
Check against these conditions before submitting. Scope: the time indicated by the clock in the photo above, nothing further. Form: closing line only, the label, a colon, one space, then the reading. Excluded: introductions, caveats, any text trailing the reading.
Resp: 10:09
